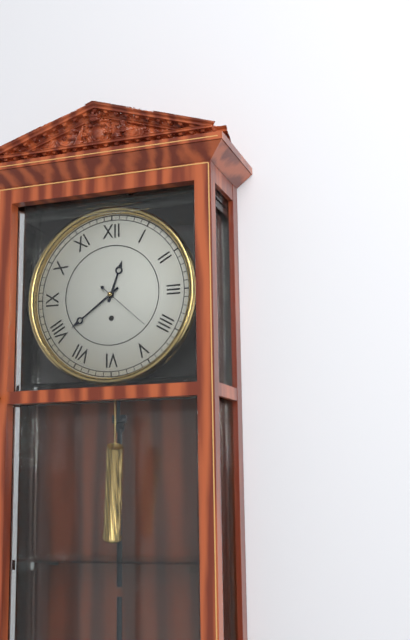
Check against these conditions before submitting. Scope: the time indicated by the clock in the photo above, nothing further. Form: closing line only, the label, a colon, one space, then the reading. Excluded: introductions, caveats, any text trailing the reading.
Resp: 12:39
